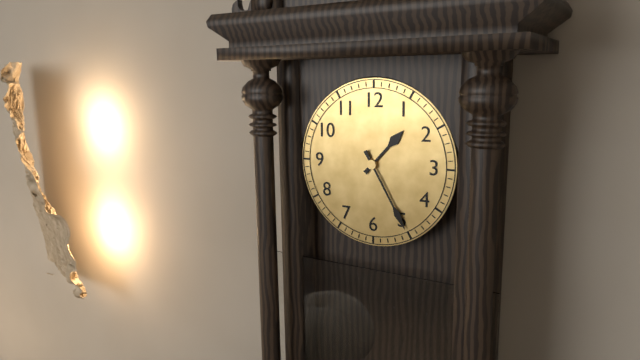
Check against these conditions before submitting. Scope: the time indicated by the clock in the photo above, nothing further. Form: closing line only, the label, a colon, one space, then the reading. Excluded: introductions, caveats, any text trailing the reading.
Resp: 1:25
